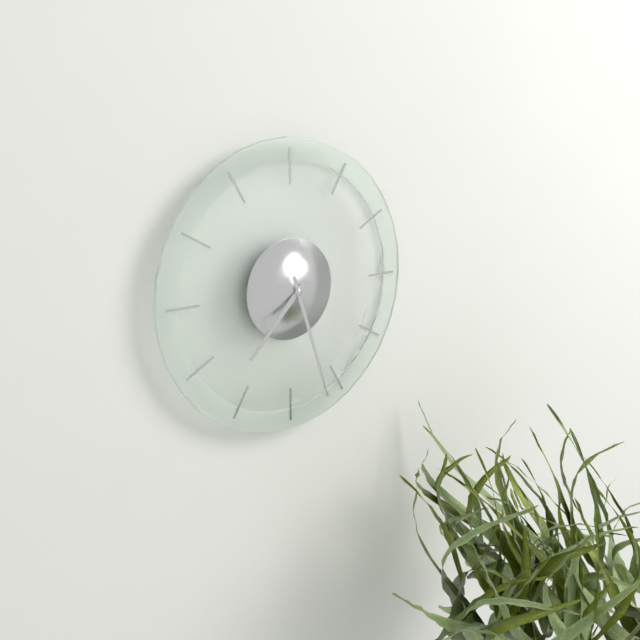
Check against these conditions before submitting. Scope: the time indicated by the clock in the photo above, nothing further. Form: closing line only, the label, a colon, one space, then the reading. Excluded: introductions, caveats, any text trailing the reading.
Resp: 7:27
